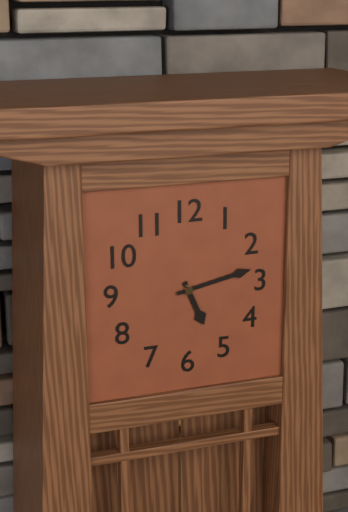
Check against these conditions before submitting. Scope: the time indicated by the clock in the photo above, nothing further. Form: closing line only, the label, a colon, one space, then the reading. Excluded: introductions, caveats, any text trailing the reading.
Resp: 5:13
